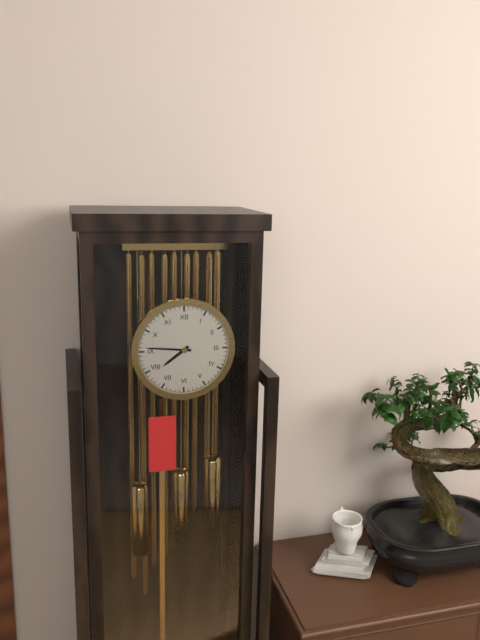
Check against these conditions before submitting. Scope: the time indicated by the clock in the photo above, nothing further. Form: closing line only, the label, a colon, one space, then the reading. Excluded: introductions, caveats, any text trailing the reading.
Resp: 7:46
